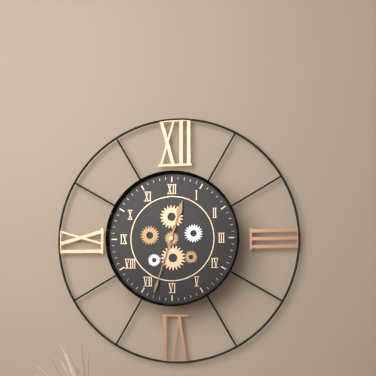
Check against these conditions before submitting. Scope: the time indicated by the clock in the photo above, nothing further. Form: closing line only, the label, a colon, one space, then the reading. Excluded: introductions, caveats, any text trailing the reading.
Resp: 12:33
